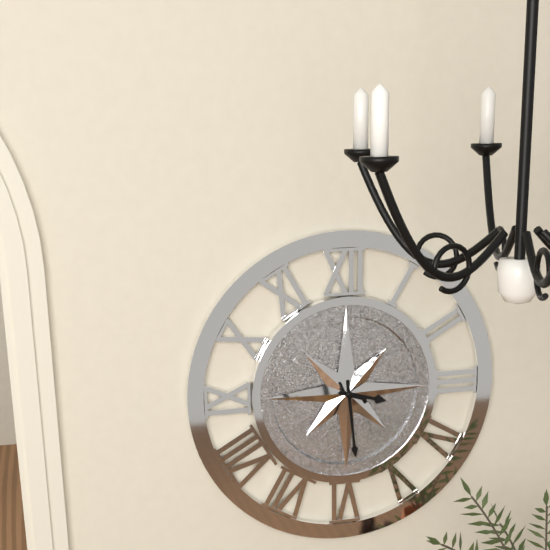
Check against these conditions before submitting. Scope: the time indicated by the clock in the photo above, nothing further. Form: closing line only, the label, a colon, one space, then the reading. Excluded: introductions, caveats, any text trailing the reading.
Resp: 3:29
